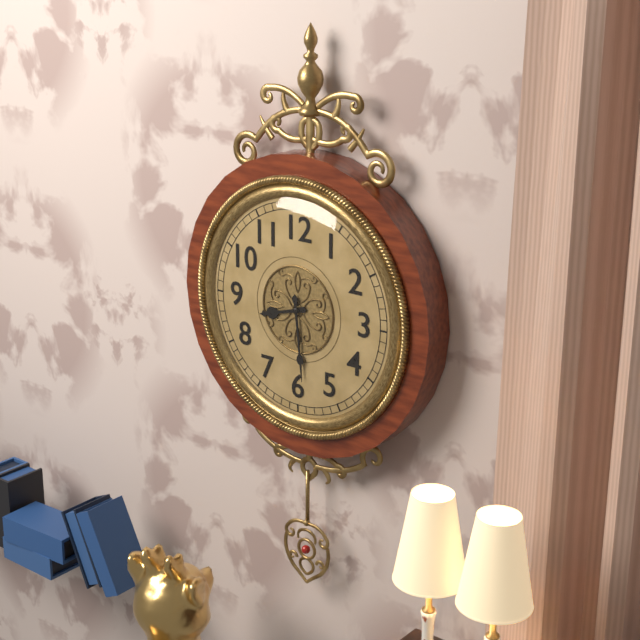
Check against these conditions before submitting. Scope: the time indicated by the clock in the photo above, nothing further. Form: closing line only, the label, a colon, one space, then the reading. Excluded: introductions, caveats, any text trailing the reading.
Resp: 8:29
